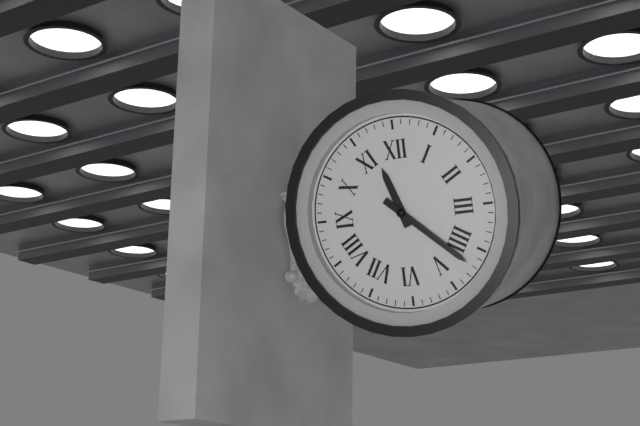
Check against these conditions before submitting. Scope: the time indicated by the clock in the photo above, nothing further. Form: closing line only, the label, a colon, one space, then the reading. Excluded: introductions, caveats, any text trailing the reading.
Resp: 11:22
